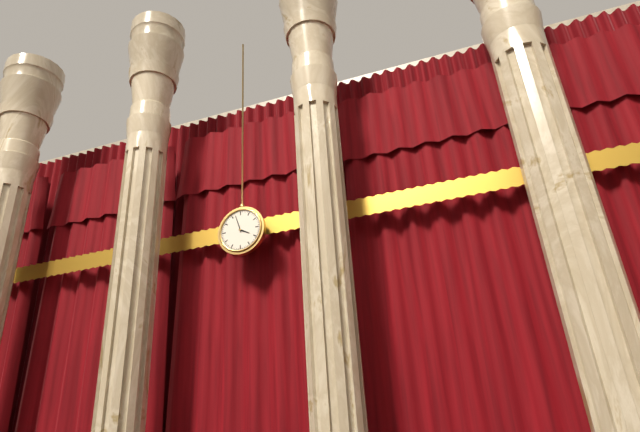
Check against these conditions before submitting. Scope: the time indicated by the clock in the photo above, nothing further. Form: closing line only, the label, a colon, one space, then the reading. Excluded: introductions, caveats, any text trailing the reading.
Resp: 3:57
